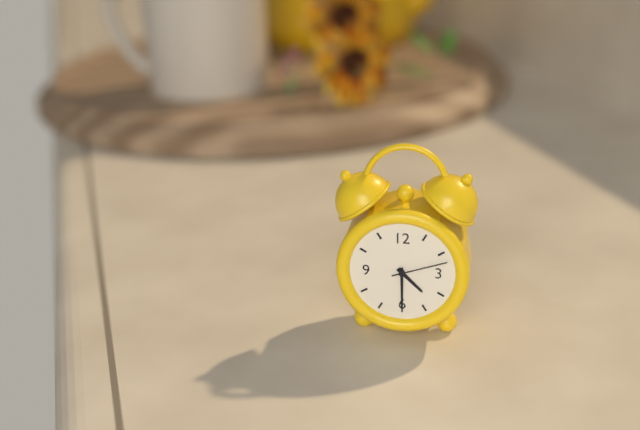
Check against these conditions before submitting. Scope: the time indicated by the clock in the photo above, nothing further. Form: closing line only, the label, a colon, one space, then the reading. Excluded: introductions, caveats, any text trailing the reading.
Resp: 4:30:12
